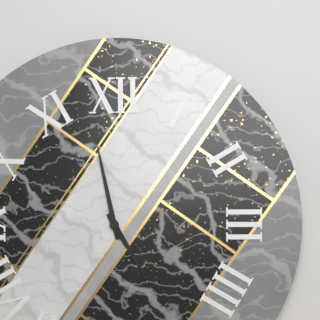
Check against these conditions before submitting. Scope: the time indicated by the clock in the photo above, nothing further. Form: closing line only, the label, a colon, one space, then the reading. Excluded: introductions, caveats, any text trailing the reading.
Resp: 4:58
